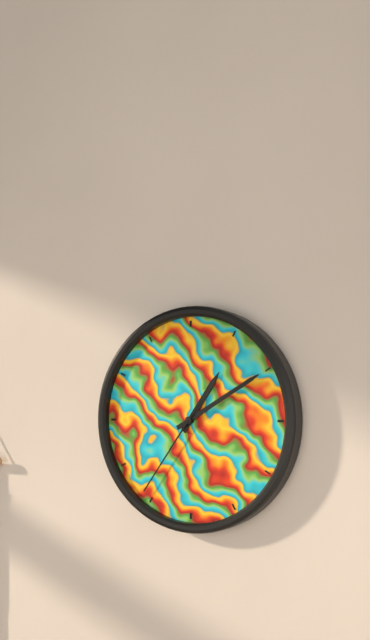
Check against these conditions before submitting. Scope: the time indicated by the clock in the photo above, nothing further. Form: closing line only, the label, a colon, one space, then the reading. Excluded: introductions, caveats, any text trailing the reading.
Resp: 1:10:36
